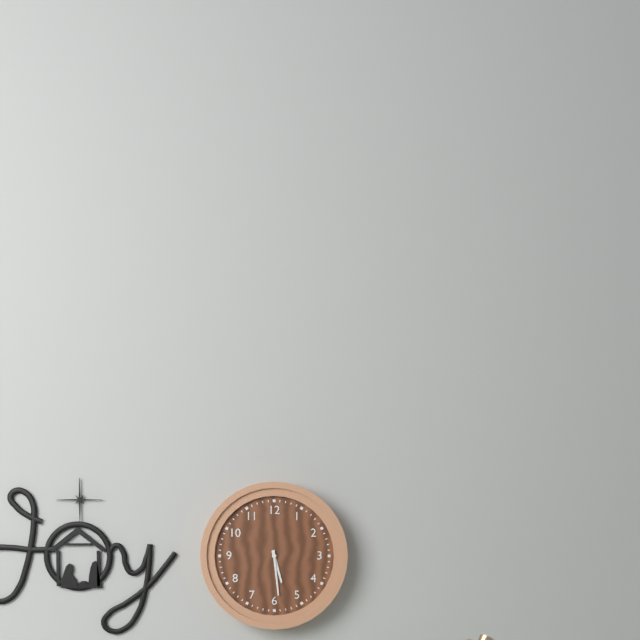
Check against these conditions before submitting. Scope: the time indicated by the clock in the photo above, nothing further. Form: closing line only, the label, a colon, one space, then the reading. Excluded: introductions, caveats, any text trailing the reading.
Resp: 5:29
